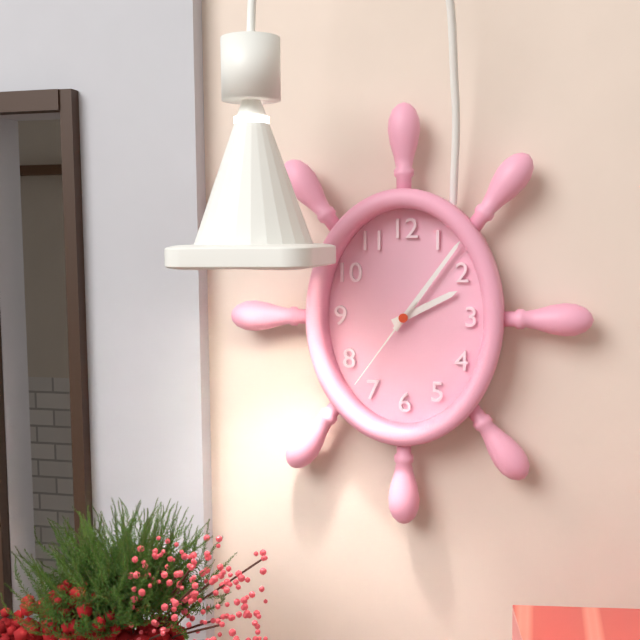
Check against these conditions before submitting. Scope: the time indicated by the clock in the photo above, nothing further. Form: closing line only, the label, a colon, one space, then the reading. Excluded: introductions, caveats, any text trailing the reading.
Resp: 2:06:36
